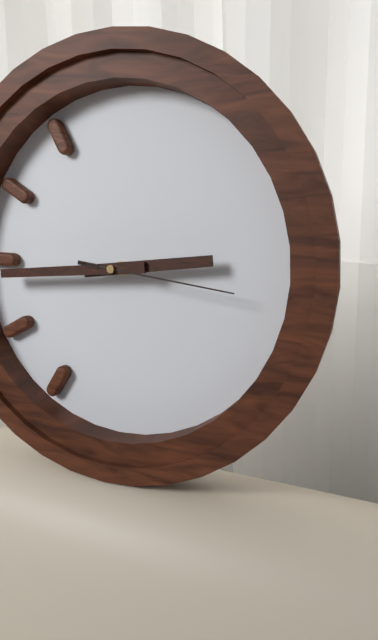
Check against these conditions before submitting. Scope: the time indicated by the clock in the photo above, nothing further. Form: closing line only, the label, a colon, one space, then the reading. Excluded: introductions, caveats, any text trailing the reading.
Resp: 2:44:16
